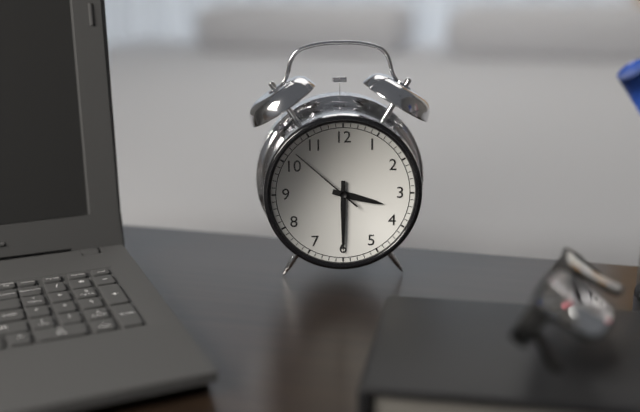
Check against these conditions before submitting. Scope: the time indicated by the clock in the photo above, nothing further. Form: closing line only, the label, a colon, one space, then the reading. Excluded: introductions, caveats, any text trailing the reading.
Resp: 3:30:52
